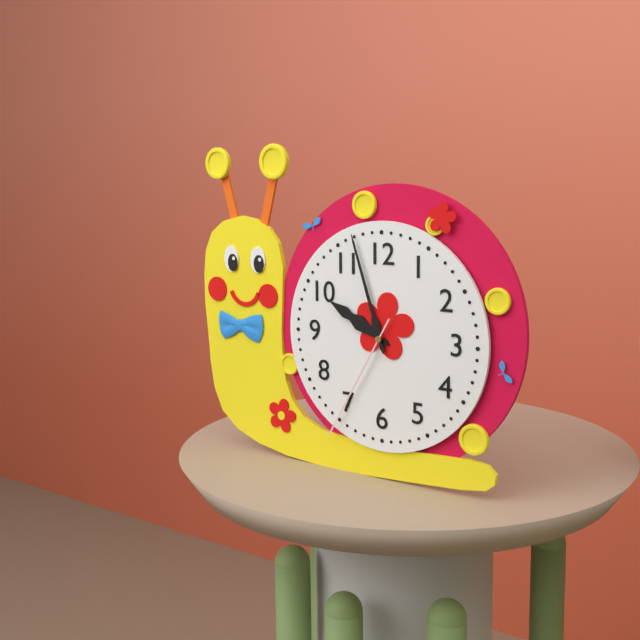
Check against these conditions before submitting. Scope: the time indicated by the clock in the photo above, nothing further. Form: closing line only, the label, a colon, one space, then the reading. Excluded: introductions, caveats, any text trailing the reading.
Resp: 9:57:35
